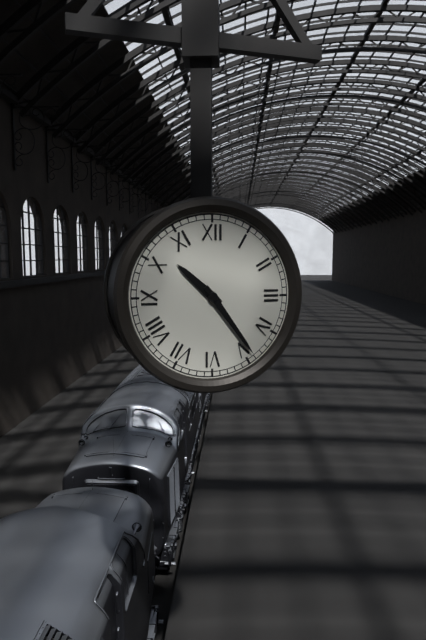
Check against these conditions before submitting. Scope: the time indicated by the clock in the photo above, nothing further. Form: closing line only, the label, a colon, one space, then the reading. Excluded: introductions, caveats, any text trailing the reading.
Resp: 10:24
